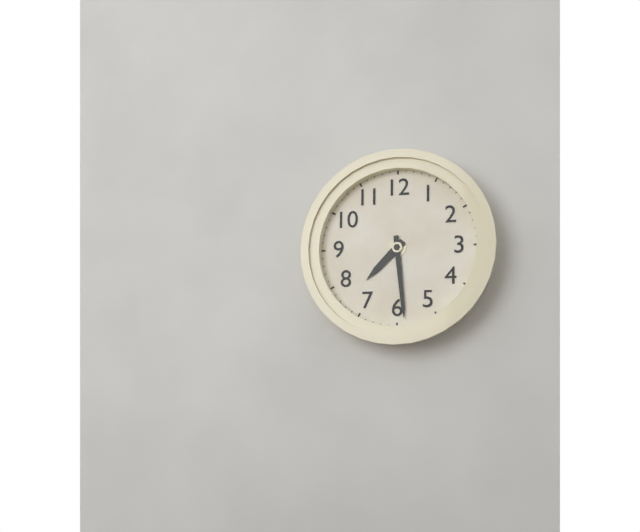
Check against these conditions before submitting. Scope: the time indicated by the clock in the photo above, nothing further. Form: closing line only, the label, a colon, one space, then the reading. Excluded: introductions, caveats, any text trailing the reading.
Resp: 7:29
